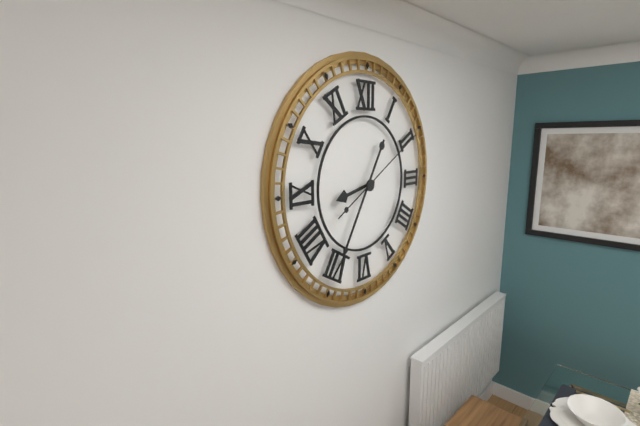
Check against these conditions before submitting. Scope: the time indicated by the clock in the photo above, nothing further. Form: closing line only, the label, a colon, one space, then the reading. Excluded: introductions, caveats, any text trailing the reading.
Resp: 8:35:10
